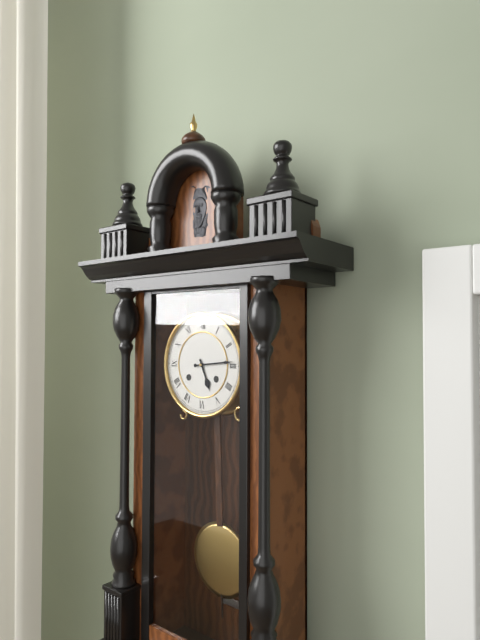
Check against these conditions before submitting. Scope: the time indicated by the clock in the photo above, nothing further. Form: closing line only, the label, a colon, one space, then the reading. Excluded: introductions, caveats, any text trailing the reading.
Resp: 5:14
